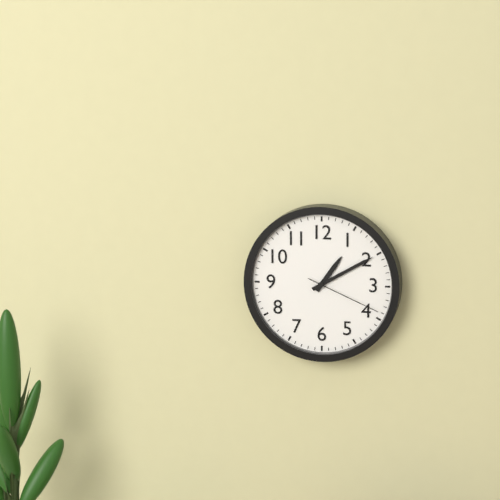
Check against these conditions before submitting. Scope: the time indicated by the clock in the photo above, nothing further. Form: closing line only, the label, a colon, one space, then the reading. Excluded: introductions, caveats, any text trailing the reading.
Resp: 1:10:19
